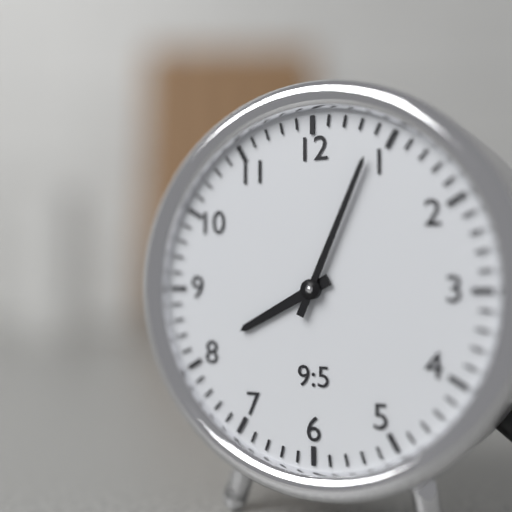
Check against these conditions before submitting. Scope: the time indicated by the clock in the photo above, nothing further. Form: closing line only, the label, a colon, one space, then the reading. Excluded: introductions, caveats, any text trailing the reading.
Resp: 8:04
